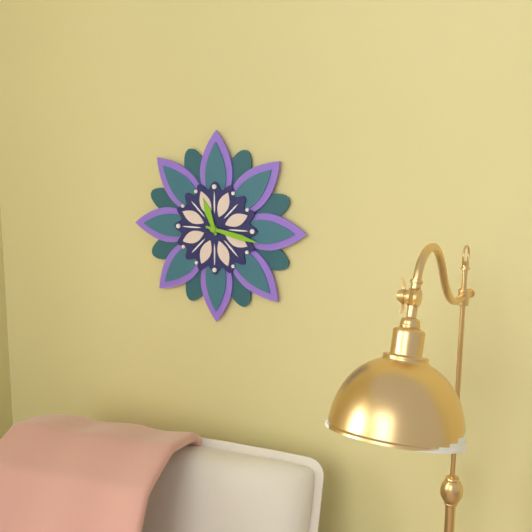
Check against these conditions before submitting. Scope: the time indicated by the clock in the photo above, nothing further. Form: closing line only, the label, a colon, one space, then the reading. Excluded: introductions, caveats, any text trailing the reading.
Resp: 11:17
